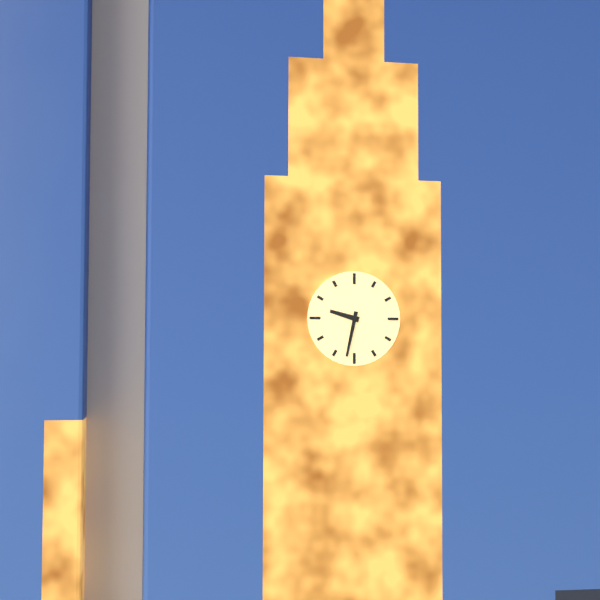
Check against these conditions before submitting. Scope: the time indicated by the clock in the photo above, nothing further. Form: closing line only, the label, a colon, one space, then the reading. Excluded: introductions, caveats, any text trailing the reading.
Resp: 9:32
